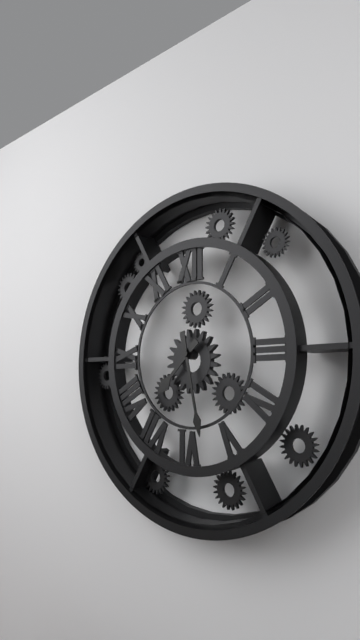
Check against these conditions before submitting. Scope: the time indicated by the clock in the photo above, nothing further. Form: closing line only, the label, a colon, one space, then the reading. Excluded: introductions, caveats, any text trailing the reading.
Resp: 7:28
